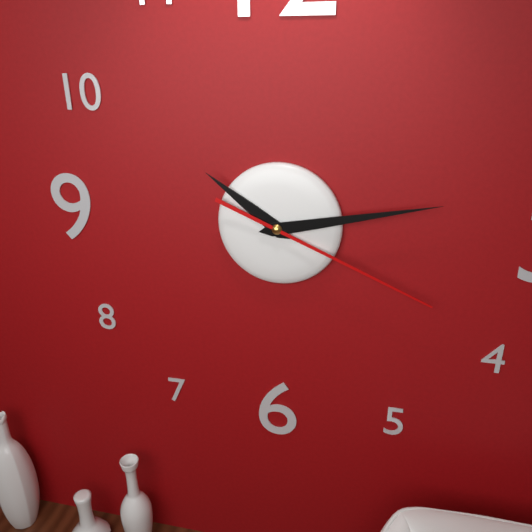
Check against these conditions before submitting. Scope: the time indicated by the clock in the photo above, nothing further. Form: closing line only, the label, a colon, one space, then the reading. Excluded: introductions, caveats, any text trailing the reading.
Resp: 10:13:19
